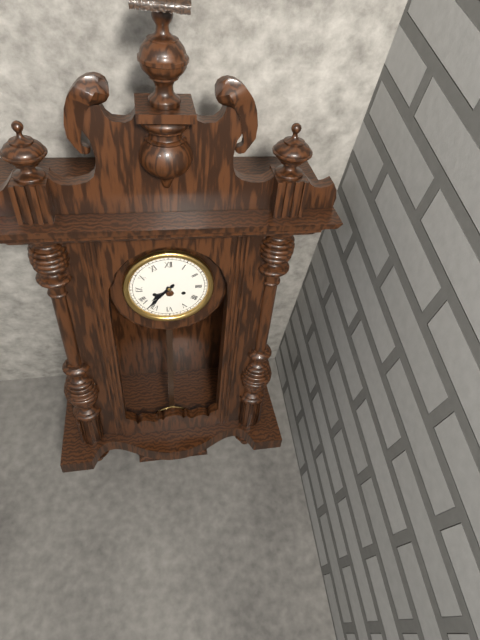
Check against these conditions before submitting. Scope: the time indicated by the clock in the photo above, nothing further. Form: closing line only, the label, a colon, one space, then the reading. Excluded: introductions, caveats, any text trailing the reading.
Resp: 7:37
